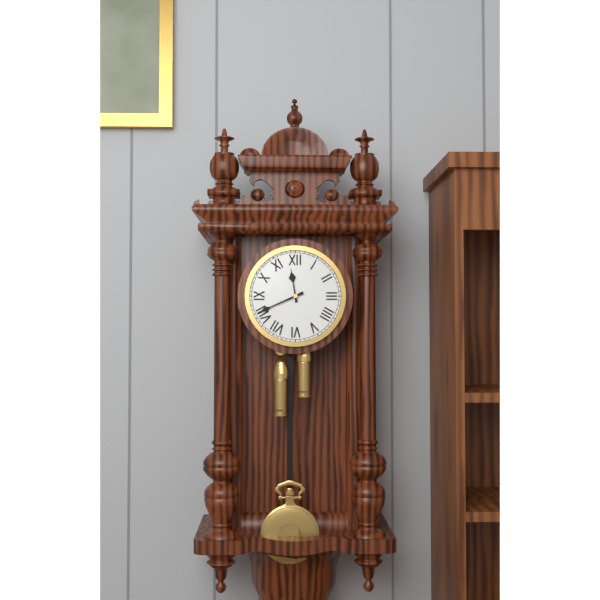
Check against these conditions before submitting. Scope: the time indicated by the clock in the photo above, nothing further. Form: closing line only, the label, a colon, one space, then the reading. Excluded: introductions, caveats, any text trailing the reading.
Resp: 11:41
